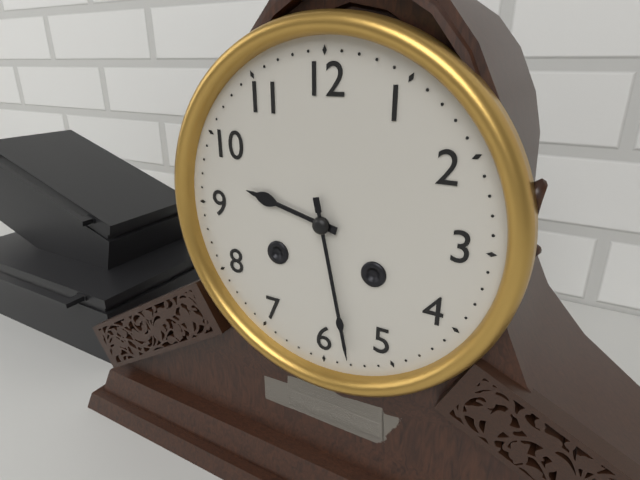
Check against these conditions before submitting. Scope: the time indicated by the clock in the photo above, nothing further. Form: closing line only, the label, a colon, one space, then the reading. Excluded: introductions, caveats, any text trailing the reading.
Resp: 9:28
